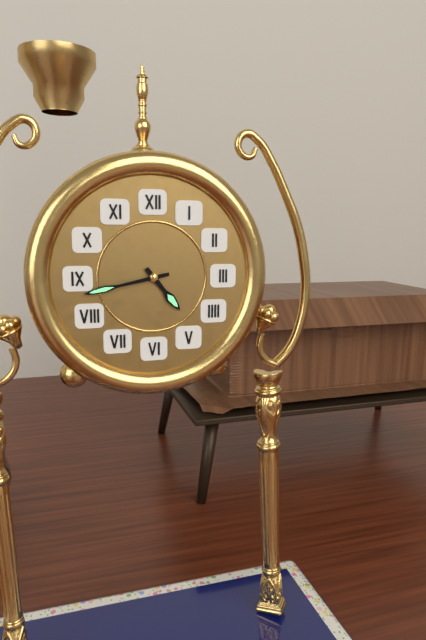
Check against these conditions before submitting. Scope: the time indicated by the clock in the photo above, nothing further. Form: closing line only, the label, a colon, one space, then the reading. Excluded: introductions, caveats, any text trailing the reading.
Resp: 4:43
